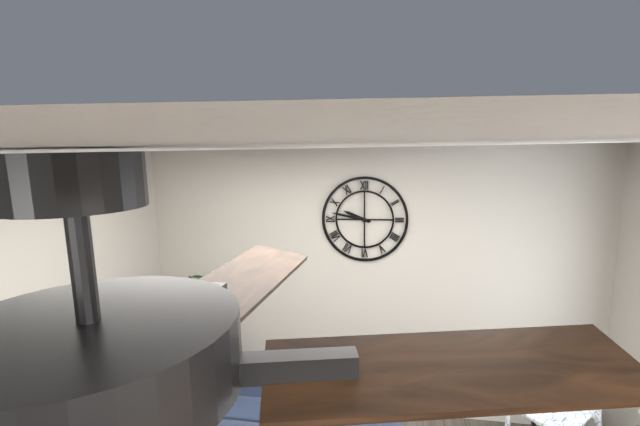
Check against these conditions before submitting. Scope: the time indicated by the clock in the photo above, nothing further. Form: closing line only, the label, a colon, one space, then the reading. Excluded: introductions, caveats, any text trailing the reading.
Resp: 9:47
